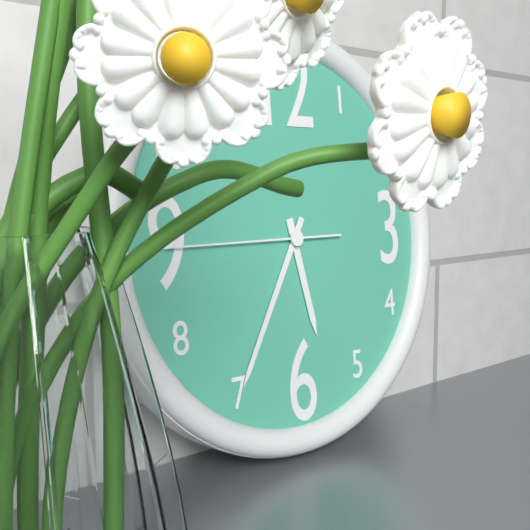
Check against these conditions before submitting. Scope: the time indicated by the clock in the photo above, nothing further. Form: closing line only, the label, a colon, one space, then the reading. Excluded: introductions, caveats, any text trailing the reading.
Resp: 5:35:45
